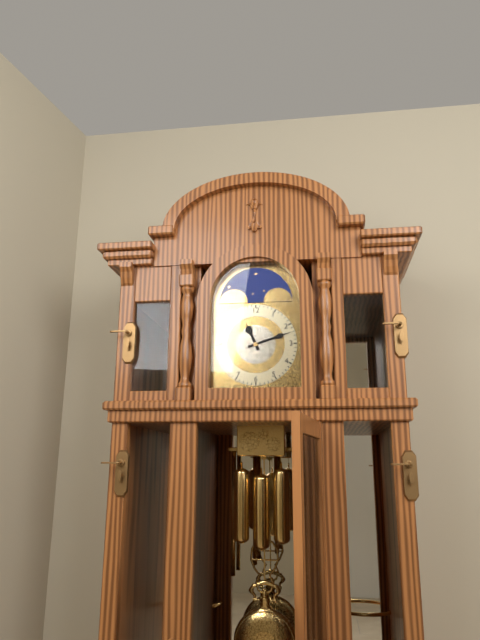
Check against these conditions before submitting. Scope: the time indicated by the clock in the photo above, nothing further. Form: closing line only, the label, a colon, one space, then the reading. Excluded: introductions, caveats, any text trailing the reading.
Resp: 11:12
